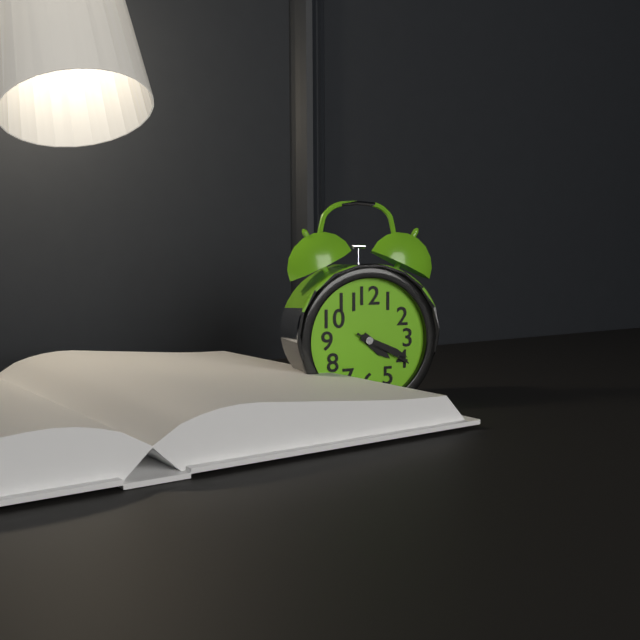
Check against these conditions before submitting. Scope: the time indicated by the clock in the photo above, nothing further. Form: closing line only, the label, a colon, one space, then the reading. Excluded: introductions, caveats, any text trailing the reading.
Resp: 4:19:20
